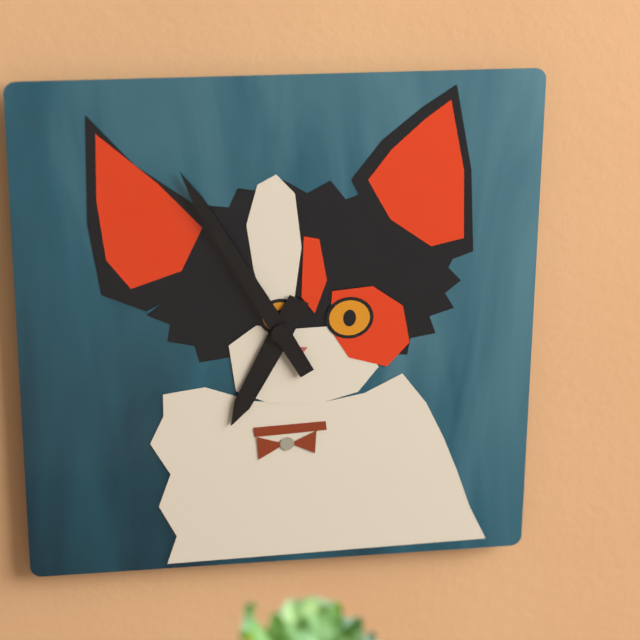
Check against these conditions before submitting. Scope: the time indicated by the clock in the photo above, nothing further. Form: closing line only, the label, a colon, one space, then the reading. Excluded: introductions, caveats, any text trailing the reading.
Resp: 6:55
